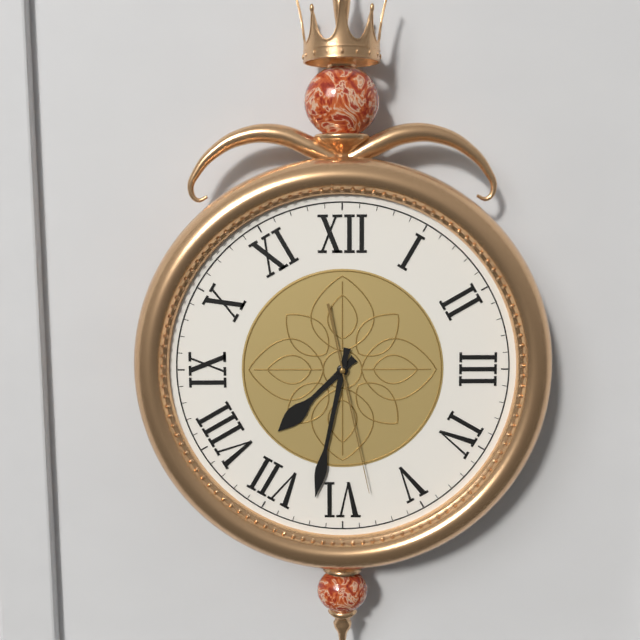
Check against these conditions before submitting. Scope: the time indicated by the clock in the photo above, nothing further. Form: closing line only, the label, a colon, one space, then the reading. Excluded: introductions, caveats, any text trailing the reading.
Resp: 7:32:28
